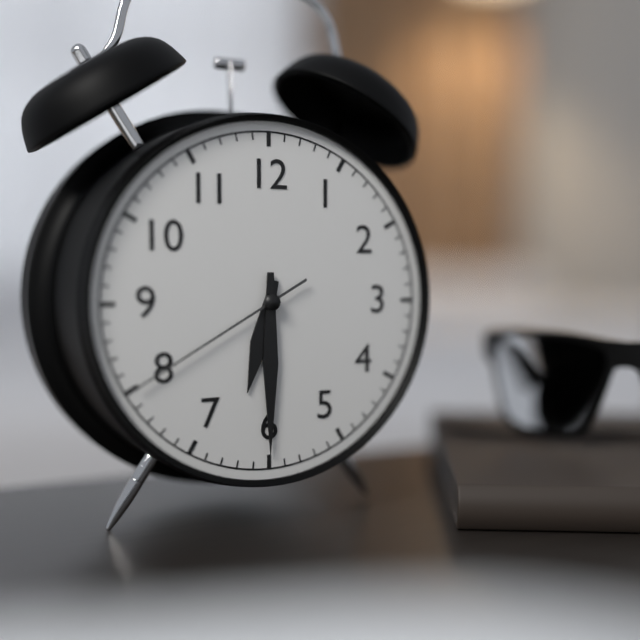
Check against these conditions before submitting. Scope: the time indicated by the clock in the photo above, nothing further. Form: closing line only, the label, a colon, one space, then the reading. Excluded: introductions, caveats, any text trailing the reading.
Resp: 6:30:40
